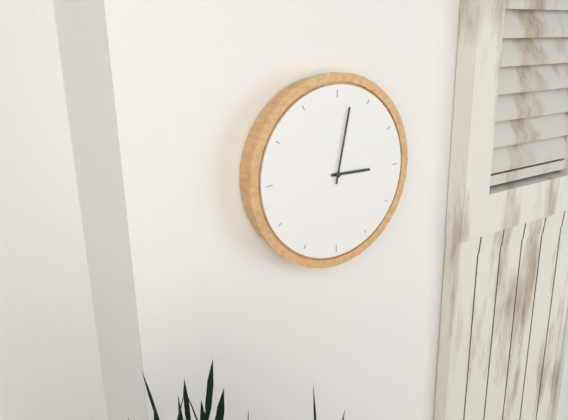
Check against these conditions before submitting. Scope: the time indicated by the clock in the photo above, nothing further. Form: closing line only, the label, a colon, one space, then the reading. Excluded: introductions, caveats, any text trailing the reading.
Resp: 3:02
